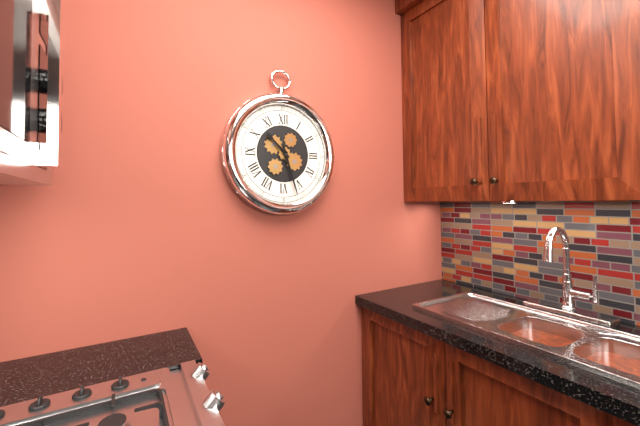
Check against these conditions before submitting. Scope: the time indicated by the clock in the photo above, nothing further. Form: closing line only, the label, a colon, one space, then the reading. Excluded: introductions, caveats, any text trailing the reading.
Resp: 10:27
